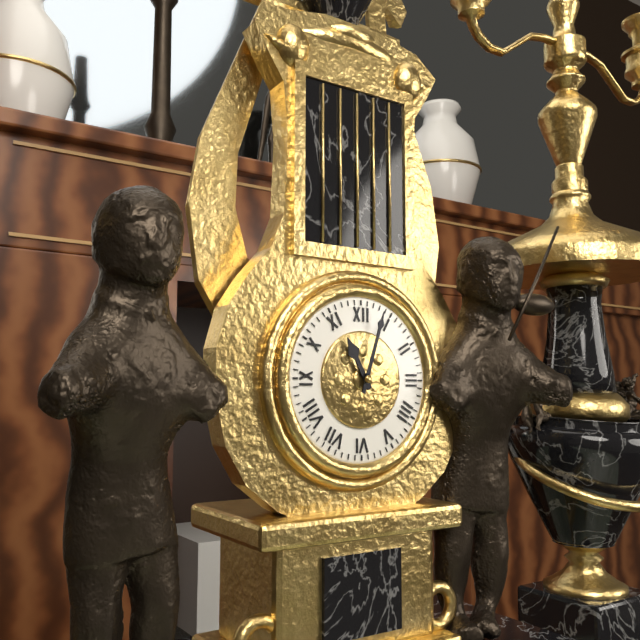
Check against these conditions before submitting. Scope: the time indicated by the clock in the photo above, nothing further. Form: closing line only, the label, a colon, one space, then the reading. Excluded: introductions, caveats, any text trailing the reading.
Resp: 11:03
